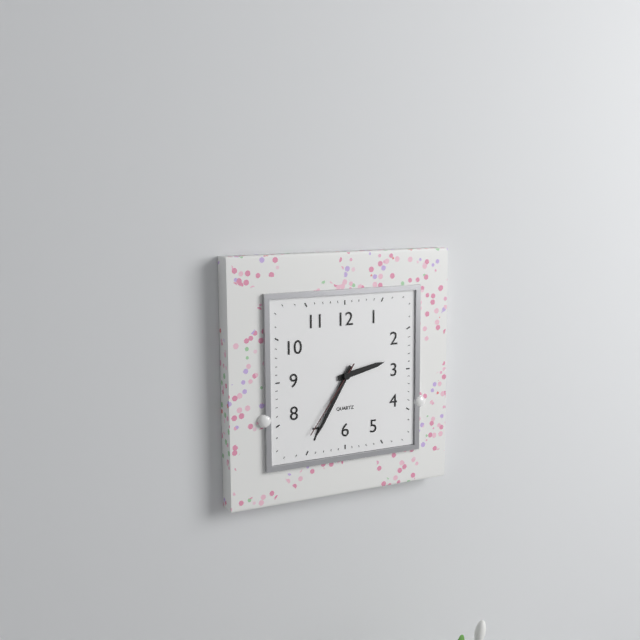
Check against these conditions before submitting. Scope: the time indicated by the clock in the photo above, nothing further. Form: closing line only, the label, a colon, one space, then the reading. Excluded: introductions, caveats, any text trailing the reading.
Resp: 2:35:36
